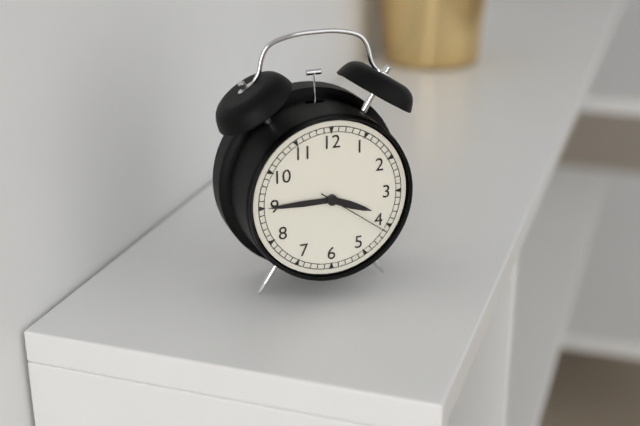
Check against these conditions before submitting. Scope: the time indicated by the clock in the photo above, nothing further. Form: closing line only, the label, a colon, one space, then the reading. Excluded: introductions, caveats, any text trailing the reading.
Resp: 3:45:21
